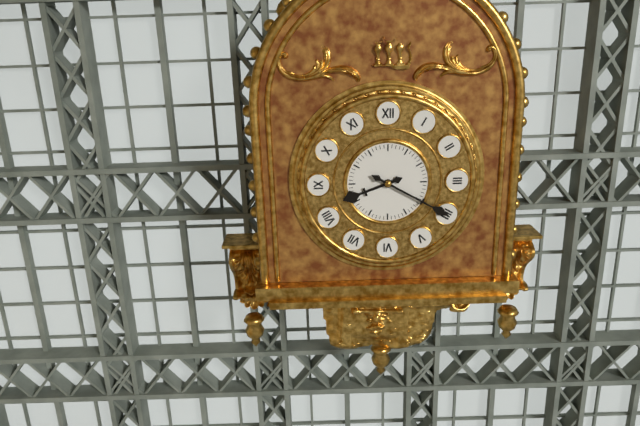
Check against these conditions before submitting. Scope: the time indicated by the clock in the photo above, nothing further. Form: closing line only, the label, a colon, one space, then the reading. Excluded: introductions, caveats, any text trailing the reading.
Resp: 8:20
